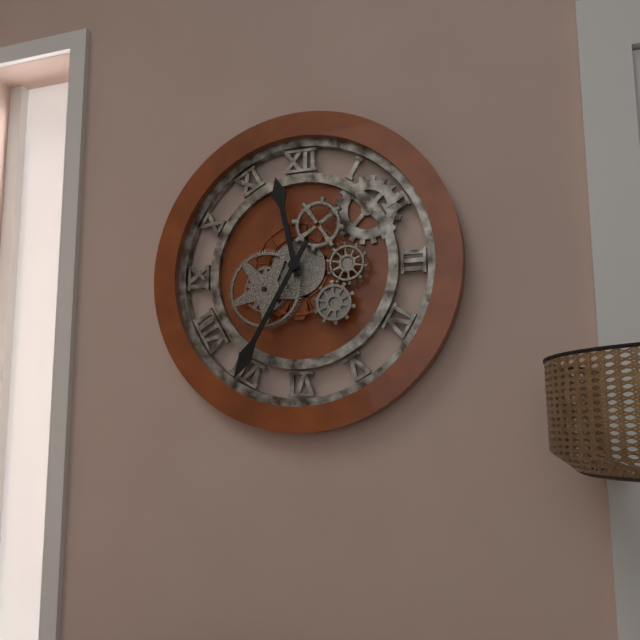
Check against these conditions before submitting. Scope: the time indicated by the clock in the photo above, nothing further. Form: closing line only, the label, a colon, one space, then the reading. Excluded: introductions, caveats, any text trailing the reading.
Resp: 11:35
